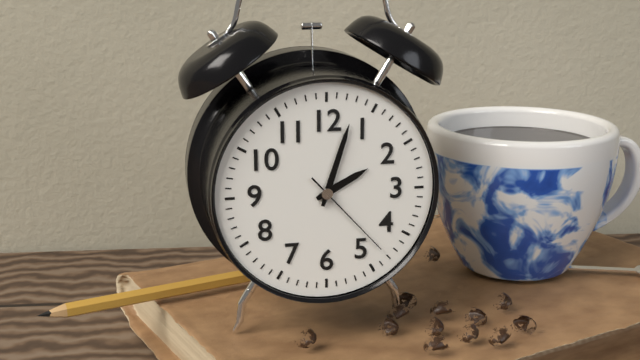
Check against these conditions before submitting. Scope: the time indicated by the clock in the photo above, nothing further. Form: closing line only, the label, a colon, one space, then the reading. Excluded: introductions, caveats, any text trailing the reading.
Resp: 2:03:23
